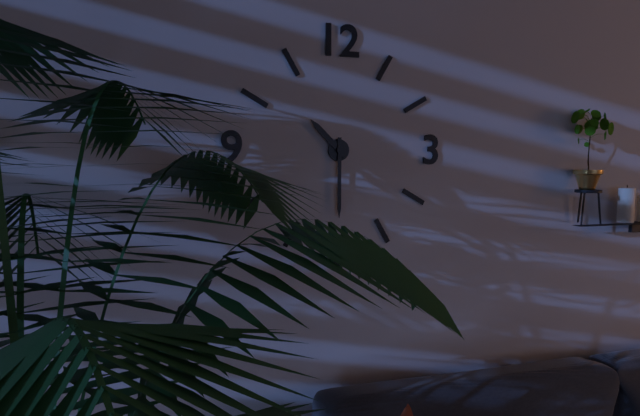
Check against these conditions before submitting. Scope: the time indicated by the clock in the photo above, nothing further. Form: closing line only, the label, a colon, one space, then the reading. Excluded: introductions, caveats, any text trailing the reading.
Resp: 10:30
